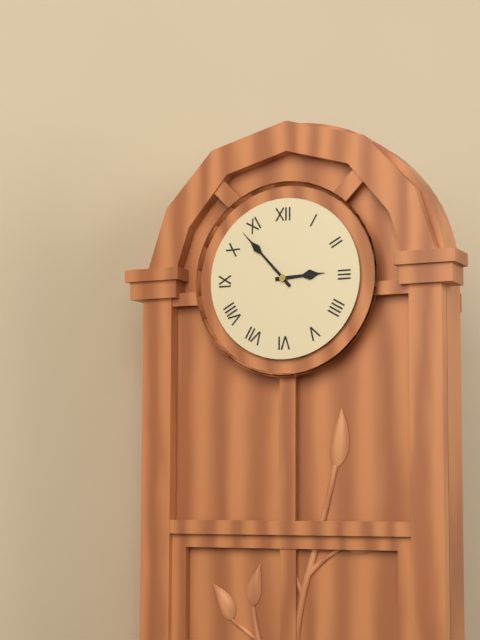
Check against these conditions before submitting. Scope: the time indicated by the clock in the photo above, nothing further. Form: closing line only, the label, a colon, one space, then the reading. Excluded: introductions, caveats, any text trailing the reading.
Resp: 2:53
